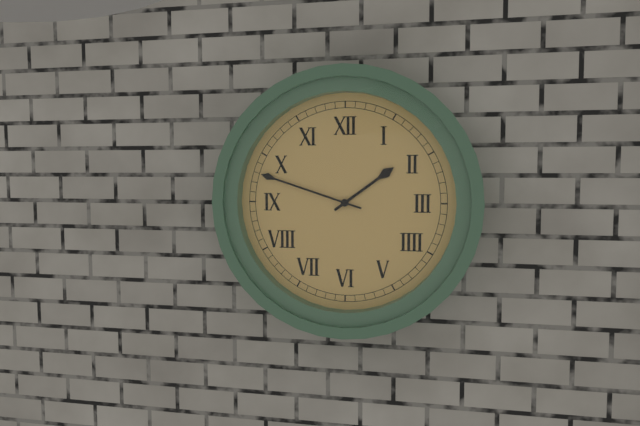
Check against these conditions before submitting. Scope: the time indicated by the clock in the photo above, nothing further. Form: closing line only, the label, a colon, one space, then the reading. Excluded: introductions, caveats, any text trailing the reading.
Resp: 1:48
